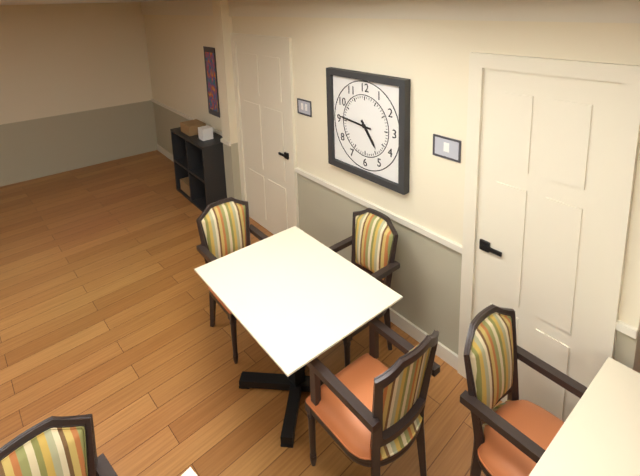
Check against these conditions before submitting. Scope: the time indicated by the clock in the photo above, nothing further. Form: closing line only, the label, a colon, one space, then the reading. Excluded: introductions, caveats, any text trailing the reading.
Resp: 4:46
